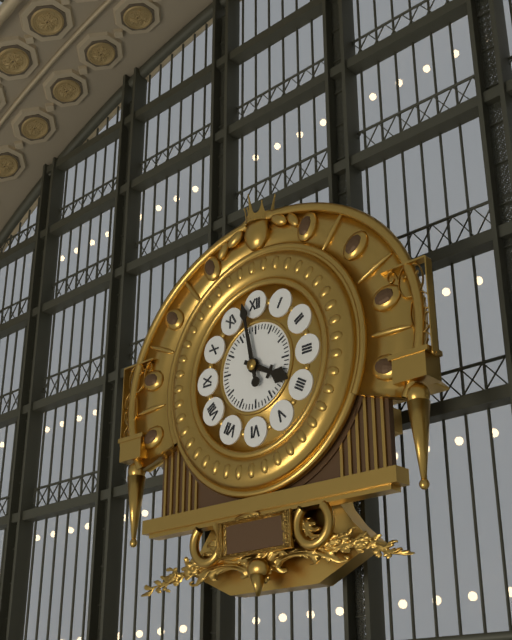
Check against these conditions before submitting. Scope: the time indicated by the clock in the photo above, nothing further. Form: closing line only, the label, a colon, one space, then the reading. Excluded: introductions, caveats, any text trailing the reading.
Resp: 3:58
